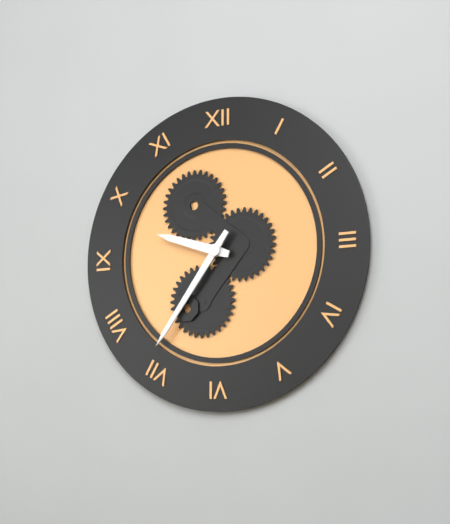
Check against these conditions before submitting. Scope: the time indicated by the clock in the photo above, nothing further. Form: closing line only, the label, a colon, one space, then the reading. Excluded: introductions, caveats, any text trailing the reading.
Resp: 9:36
